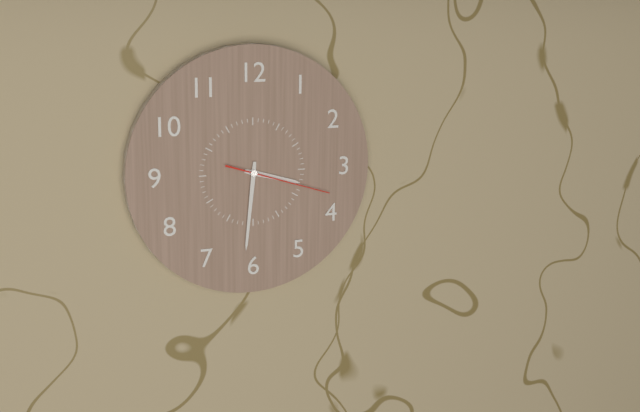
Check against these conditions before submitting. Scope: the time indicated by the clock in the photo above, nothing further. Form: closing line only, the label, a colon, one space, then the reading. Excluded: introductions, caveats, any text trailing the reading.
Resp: 3:31:18
